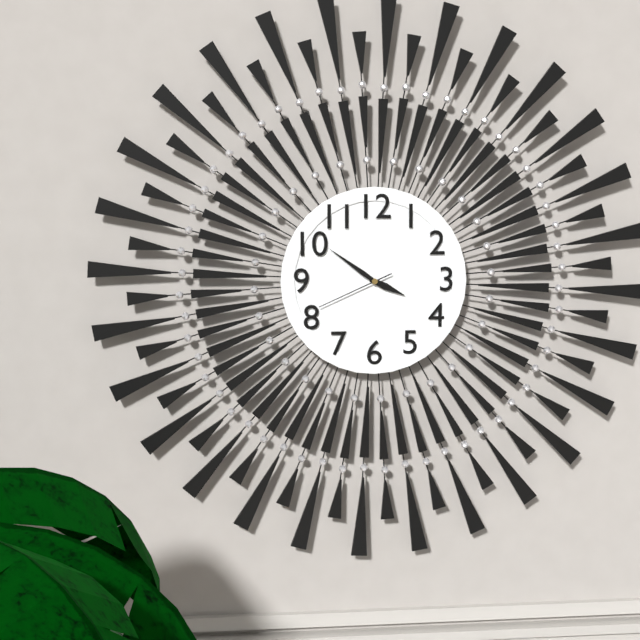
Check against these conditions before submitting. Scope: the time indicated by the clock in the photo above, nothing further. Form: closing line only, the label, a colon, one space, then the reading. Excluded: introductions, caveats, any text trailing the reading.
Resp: 3:51:41
